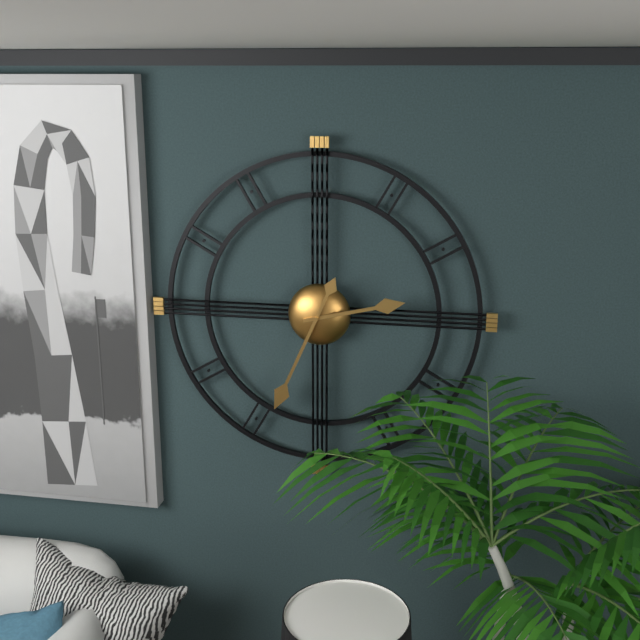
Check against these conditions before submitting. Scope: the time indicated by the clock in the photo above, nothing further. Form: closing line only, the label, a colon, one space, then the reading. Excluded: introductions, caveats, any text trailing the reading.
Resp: 2:34
